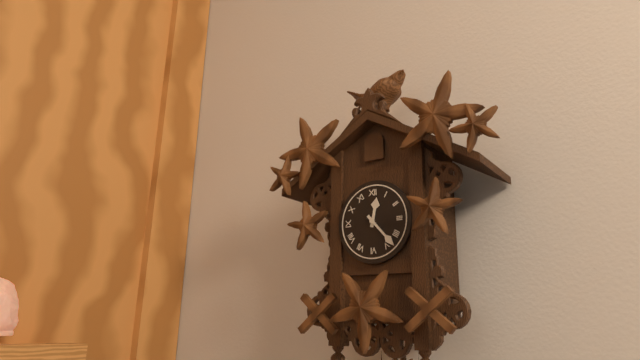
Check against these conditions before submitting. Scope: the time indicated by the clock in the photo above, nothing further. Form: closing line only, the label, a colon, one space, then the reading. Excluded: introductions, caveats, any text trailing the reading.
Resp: 12:23
